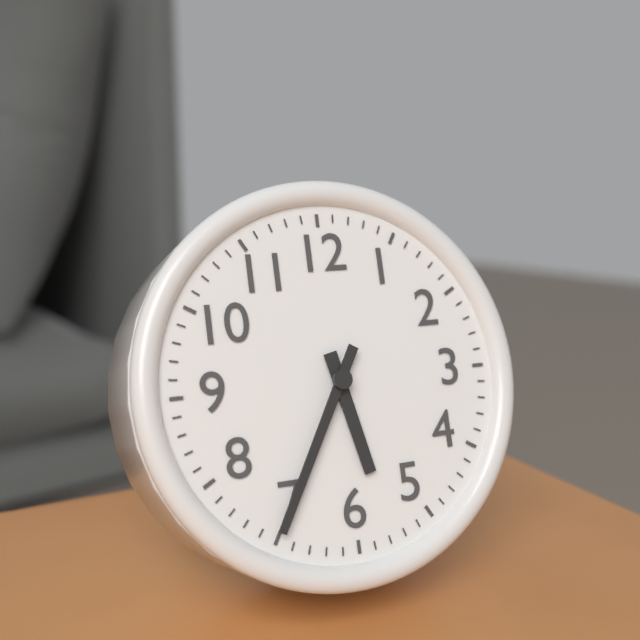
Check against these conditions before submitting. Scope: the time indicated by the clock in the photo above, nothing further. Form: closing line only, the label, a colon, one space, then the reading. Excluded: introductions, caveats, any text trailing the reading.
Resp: 5:35
